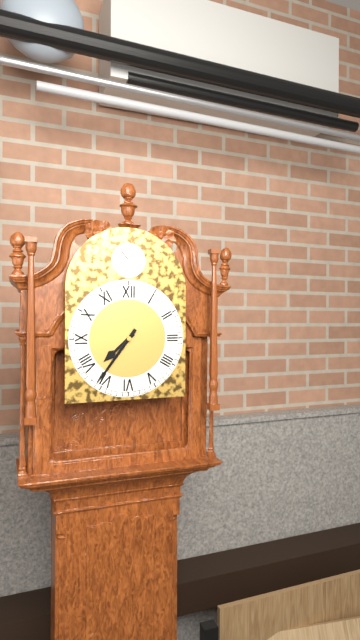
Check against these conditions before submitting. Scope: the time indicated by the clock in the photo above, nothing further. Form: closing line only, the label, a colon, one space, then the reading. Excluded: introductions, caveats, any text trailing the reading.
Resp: 7:36
